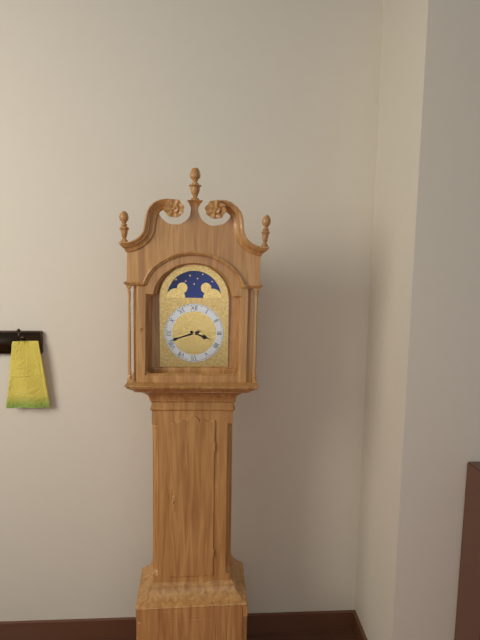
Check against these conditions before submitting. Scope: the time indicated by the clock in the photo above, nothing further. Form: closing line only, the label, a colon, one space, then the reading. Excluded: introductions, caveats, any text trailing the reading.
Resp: 3:42
